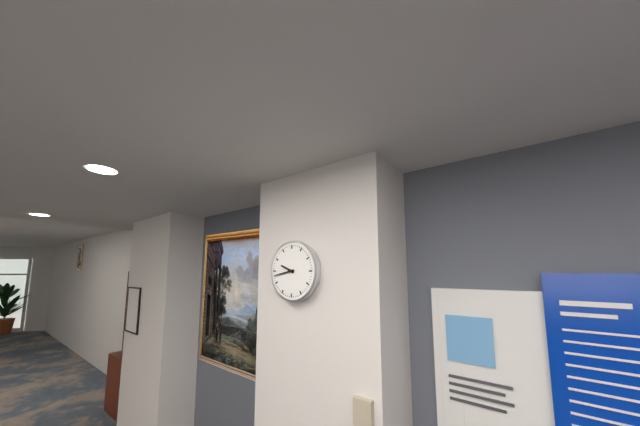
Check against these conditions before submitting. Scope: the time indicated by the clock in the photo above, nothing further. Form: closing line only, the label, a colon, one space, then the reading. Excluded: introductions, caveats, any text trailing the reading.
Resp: 9:43
